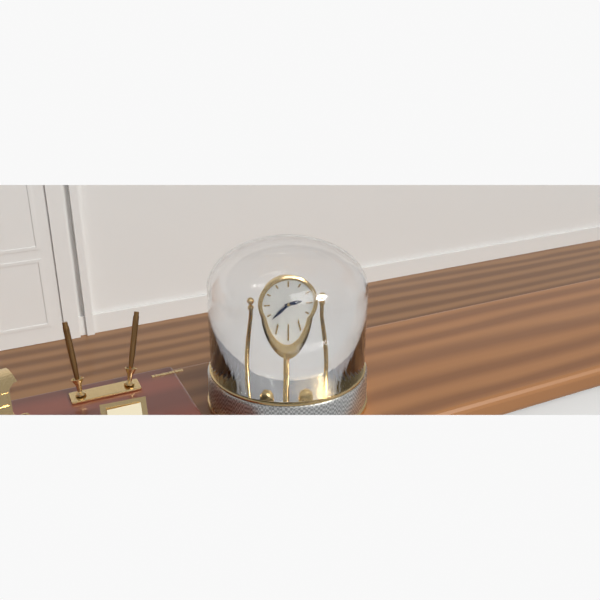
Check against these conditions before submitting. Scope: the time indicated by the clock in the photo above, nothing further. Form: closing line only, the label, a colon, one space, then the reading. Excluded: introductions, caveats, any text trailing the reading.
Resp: 2:38
